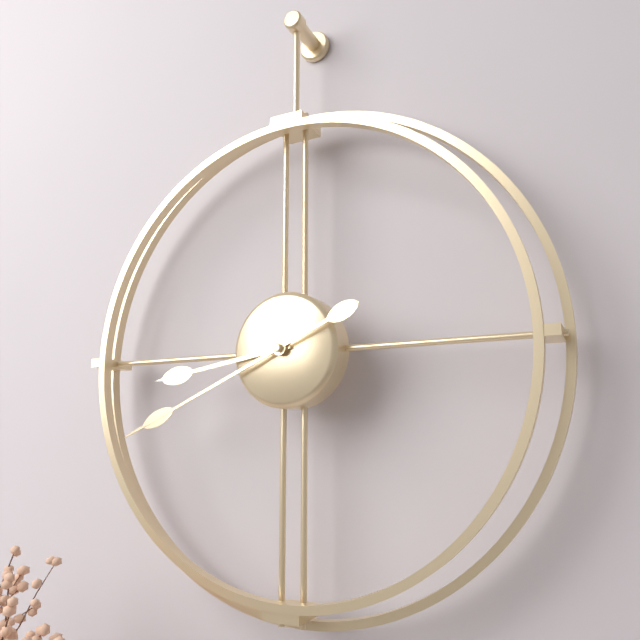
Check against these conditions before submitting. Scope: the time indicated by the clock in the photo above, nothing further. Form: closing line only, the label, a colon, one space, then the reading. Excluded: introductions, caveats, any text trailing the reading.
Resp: 8:41
